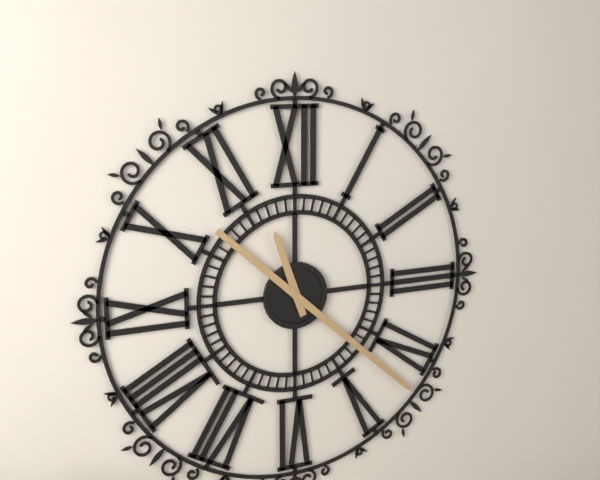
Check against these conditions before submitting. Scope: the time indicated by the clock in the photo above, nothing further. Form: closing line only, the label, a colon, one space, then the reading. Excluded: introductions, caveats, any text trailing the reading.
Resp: 11:22
